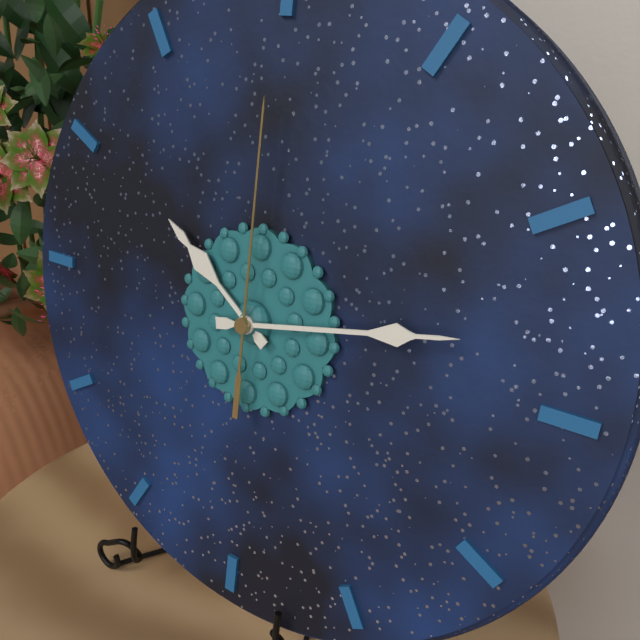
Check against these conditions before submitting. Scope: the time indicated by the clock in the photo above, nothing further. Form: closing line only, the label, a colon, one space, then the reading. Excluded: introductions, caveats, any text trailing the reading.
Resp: 10:13:00
